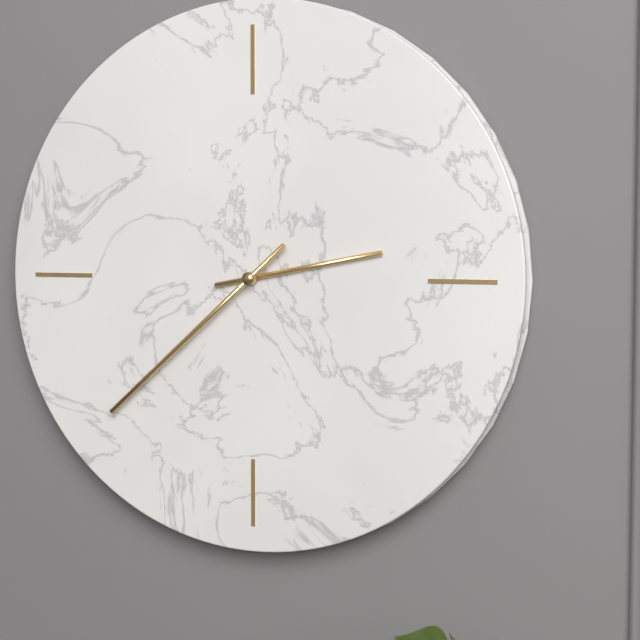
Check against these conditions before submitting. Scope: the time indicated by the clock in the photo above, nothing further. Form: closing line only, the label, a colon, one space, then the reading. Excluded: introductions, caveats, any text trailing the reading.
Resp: 2:38
